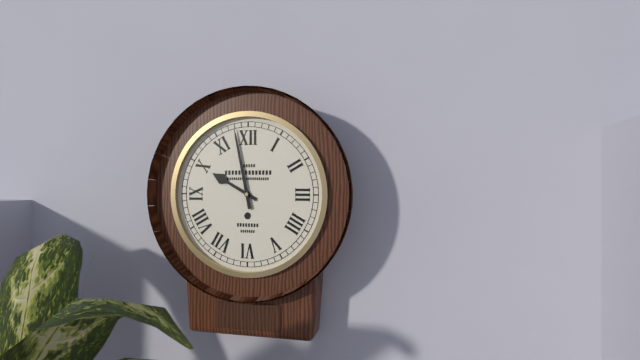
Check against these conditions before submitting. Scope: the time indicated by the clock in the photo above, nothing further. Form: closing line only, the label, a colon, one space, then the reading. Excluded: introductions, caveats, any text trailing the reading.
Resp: 9:58
